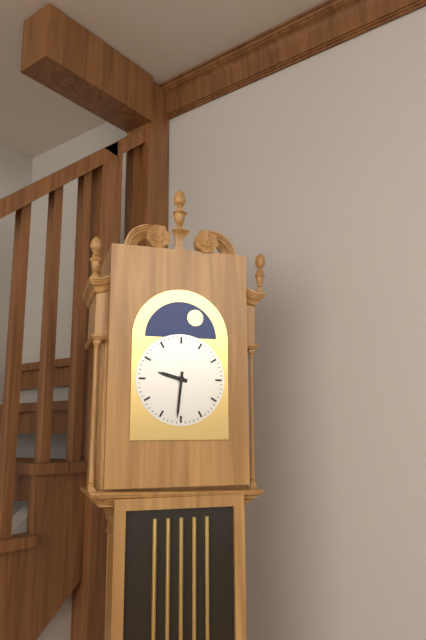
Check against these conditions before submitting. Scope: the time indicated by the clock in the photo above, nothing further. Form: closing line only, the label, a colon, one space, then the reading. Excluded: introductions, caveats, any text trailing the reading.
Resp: 9:31
